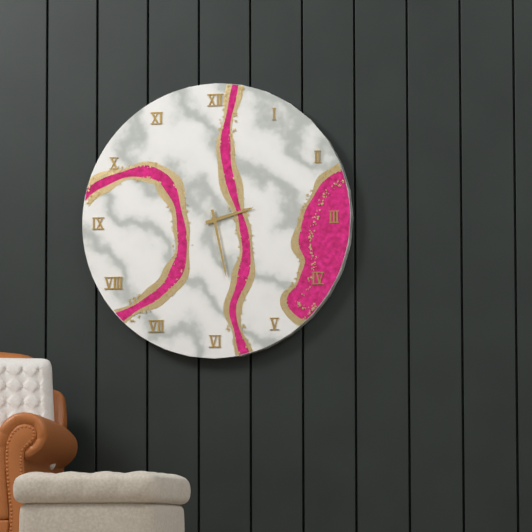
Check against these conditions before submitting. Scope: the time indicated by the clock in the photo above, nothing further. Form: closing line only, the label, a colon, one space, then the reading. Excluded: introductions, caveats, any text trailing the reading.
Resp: 2:28
